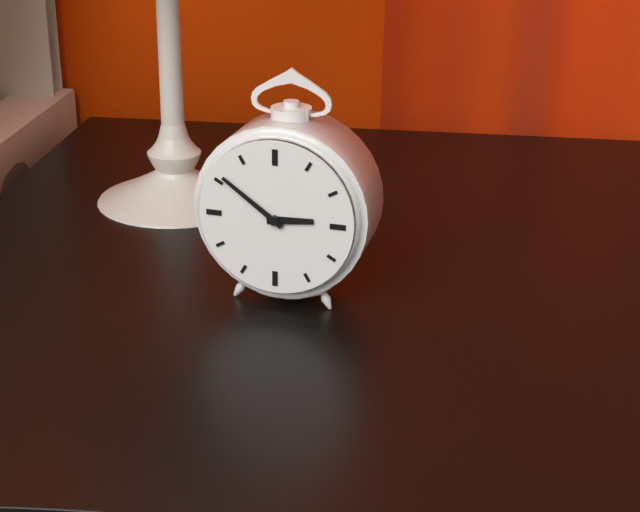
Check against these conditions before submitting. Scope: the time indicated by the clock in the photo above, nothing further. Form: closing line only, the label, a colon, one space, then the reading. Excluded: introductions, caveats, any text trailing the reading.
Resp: 2:51
